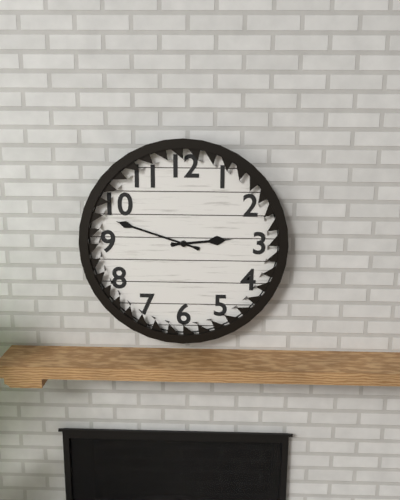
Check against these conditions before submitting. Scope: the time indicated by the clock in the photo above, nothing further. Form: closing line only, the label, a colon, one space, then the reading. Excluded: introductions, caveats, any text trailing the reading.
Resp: 2:48
